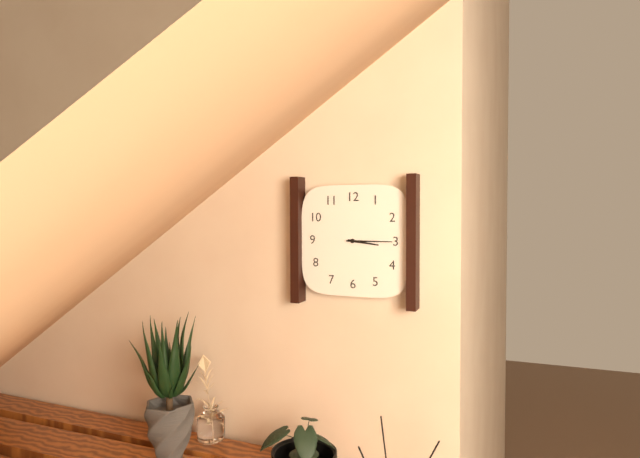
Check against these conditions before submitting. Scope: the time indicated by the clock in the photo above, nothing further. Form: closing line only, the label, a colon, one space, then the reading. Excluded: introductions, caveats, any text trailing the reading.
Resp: 3:15
